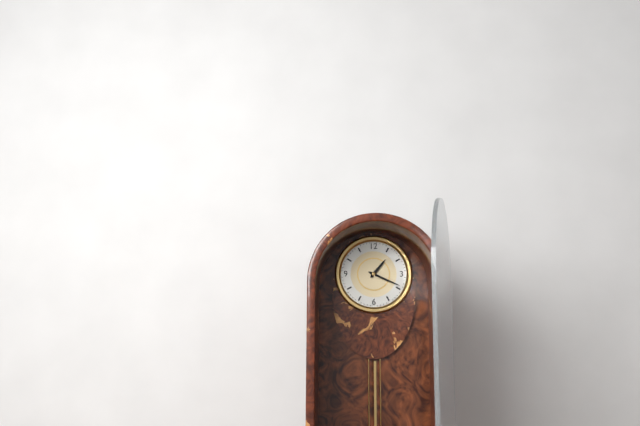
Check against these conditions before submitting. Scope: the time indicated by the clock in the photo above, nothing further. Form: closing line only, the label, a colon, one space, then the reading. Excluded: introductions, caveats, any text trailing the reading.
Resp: 1:19
